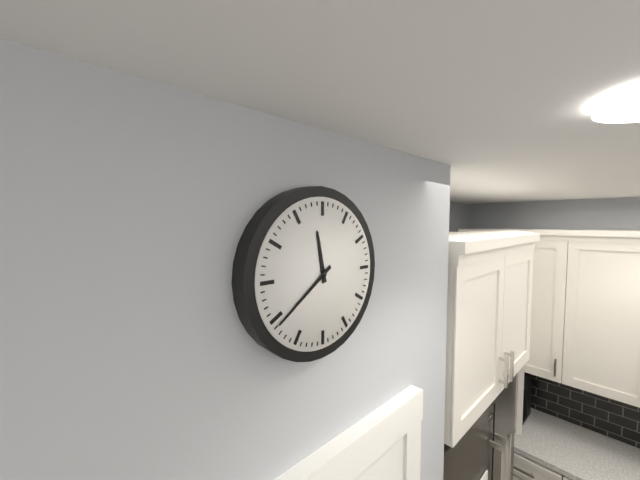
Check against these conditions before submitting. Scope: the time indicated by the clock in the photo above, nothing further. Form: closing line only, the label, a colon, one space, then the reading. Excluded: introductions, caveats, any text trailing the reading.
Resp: 11:39
